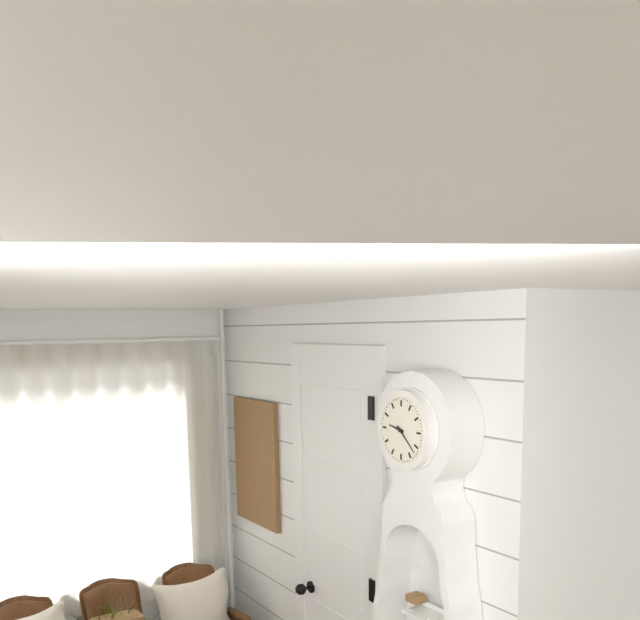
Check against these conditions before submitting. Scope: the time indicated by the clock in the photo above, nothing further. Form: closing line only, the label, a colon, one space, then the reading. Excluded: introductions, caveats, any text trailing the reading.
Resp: 9:22
